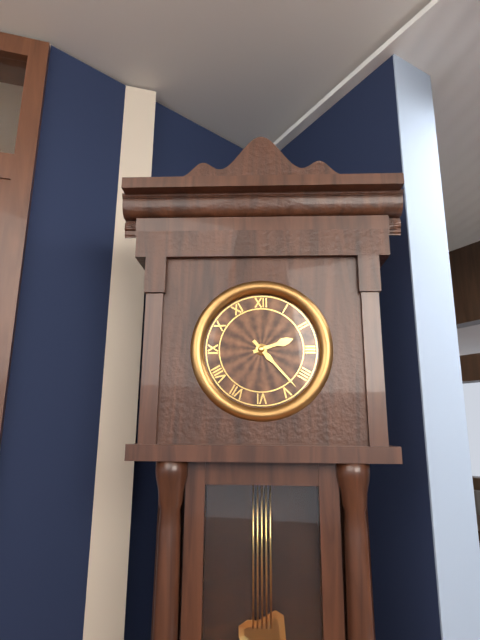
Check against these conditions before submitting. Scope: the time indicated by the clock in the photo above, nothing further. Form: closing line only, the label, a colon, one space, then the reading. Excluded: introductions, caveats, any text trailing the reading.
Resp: 2:23
